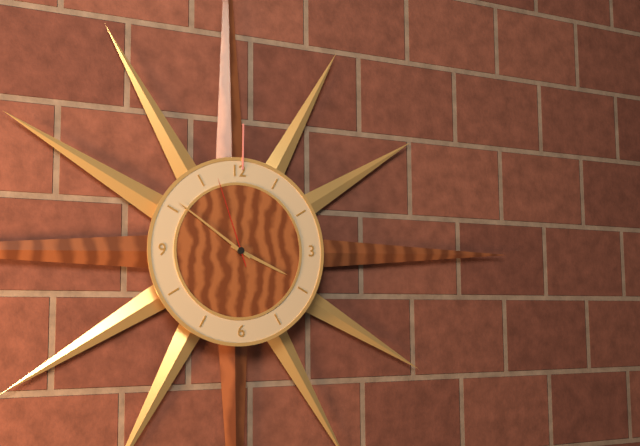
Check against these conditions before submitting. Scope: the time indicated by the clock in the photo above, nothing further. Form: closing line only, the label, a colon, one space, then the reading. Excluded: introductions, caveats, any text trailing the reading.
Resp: 3:51:57
